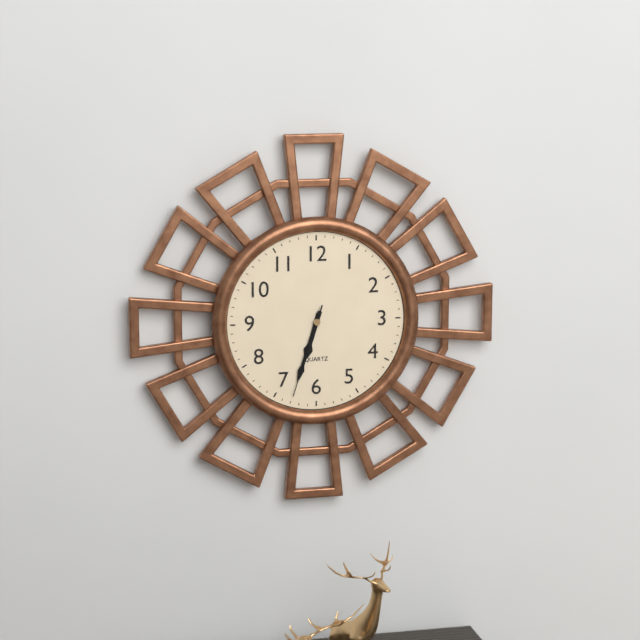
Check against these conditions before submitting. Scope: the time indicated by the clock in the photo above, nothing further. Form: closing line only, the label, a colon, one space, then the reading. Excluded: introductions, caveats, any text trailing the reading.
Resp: 6:33:33
